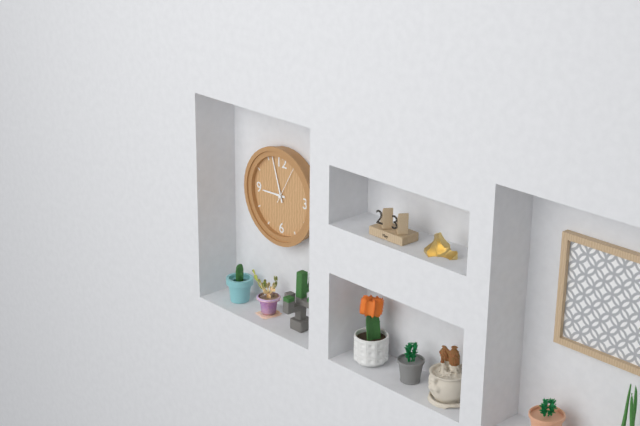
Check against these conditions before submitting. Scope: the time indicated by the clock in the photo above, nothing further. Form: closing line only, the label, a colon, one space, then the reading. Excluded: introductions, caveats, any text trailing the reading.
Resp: 8:57
